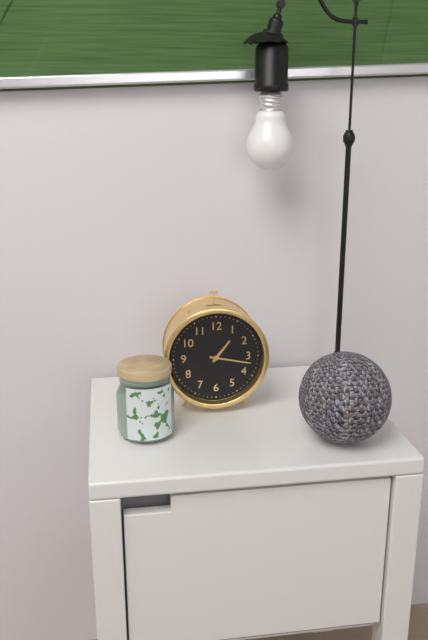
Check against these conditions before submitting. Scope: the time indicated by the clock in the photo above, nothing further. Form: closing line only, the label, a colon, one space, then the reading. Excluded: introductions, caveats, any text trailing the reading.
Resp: 1:17
